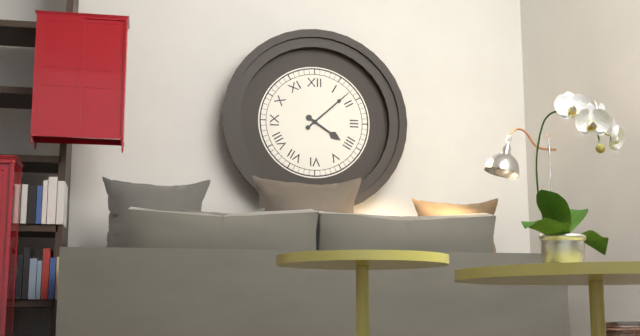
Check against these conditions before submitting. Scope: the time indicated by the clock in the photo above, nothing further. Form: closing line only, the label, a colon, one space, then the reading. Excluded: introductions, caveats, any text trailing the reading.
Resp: 4:08
